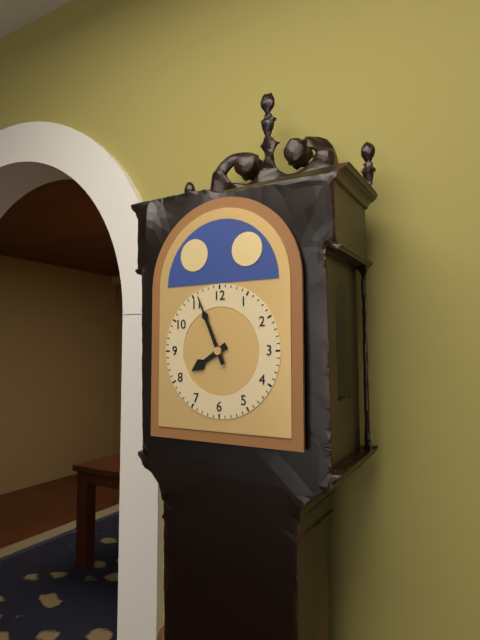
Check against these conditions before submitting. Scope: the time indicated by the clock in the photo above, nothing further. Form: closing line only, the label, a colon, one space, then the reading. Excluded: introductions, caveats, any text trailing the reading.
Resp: 7:56
